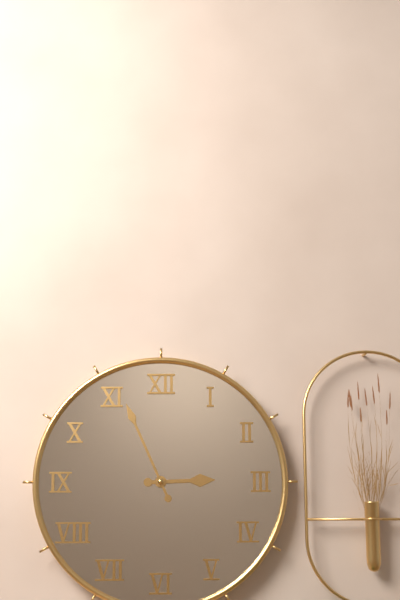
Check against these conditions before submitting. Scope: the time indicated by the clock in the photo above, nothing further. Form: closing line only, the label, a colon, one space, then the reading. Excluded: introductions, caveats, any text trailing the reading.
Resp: 2:56
